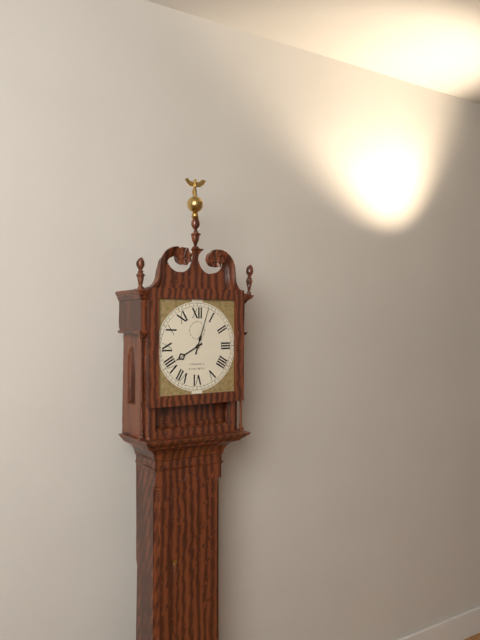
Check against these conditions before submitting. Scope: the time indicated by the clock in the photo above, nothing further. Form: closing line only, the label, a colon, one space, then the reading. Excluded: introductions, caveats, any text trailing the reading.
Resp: 8:03
